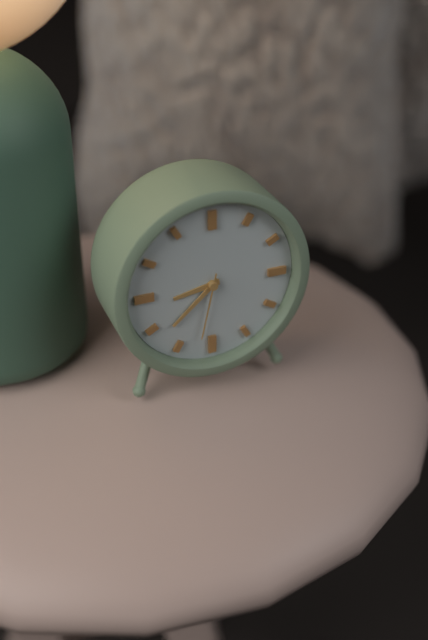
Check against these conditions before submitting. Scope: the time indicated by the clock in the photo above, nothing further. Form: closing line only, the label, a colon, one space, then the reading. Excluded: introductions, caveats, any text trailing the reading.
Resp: 8:38:32
